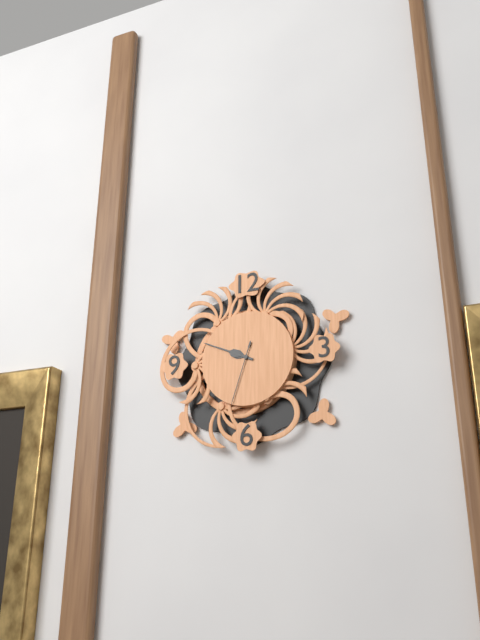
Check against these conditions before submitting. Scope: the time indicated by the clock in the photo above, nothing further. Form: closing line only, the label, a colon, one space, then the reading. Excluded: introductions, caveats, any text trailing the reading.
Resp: 9:49:33
